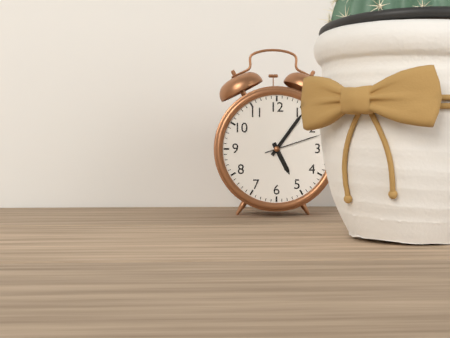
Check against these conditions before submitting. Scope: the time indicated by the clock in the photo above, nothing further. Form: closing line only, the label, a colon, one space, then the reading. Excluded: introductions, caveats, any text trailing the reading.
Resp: 5:06:12
